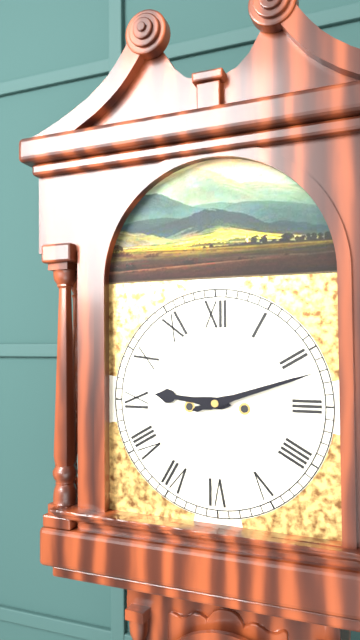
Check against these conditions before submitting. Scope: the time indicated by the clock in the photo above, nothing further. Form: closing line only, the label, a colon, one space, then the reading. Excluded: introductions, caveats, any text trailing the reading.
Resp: 9:12
